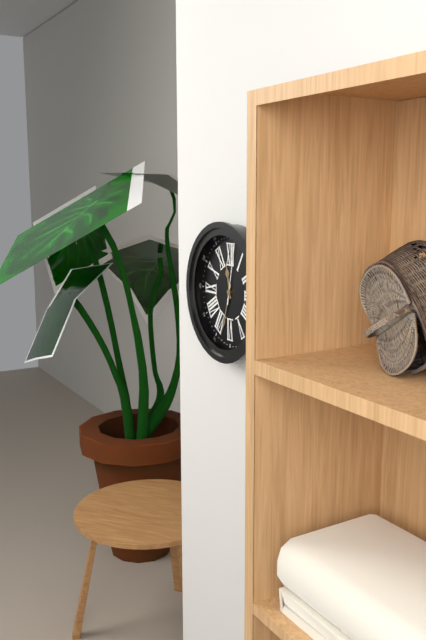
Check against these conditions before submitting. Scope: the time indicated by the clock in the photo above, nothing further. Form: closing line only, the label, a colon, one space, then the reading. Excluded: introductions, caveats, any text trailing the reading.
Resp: 11:33:02
